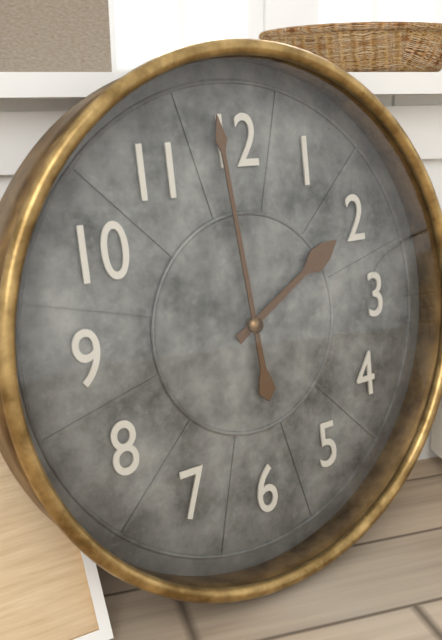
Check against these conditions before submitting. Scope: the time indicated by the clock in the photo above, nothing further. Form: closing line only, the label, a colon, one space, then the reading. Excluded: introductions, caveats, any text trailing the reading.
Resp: 1:59
